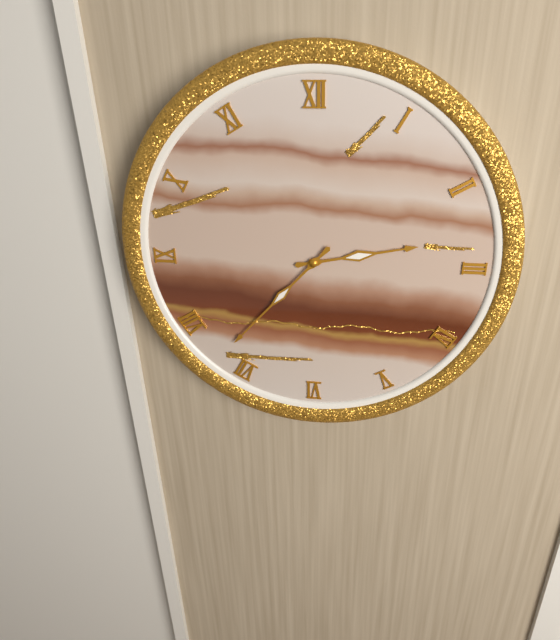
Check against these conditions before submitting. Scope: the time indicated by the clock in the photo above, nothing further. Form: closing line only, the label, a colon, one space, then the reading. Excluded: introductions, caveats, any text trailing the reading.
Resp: 2:37
